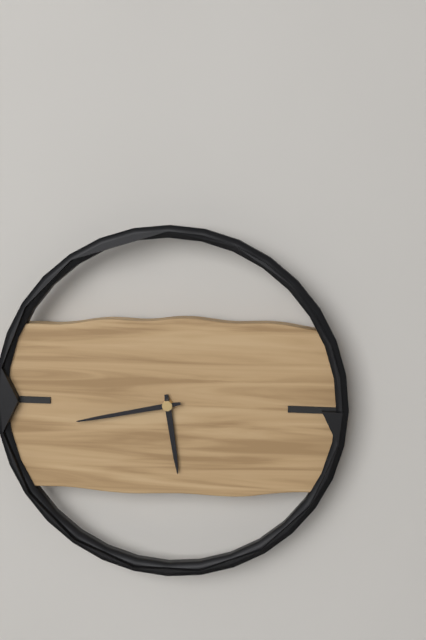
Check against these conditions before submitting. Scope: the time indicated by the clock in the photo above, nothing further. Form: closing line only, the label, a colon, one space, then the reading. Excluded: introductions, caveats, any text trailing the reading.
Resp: 5:43
